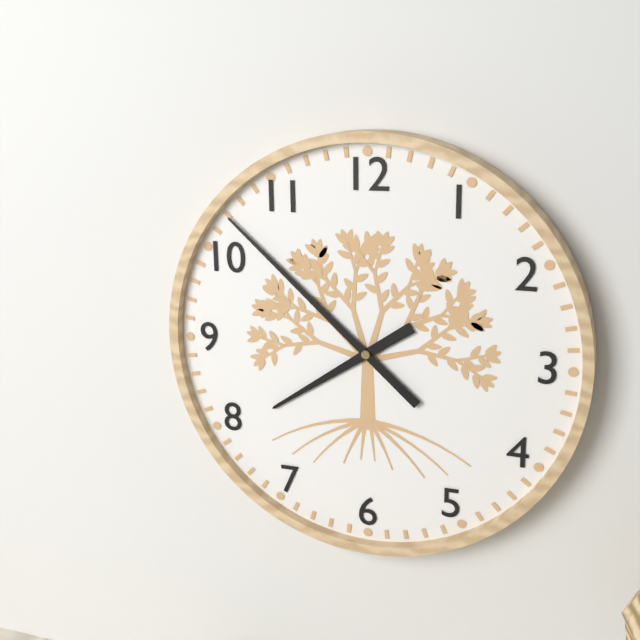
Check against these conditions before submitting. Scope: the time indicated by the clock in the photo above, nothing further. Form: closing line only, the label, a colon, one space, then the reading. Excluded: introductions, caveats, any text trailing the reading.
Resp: 7:52
